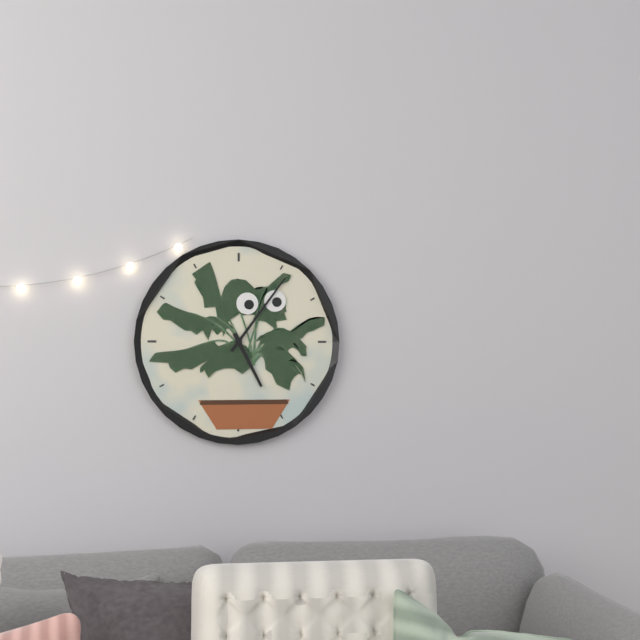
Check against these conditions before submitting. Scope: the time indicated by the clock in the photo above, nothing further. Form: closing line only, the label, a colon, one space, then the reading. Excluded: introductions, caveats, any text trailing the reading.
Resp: 5:06
